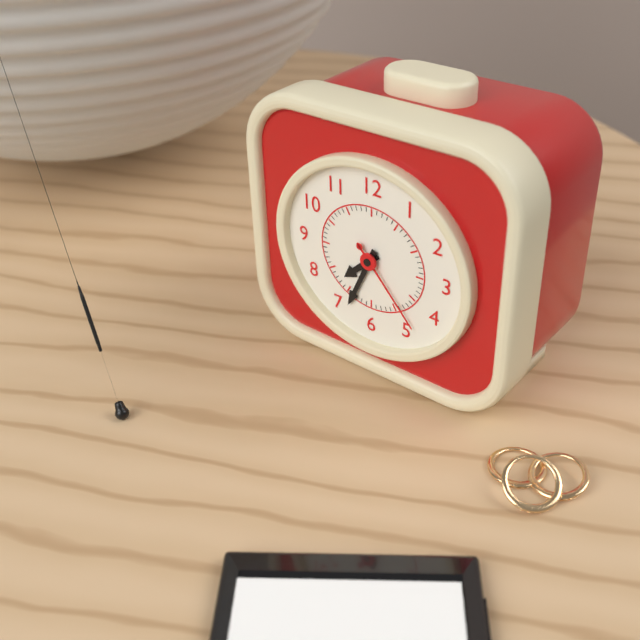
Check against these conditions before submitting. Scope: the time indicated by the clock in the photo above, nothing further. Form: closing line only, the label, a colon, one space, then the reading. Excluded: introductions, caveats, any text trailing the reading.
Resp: 7:34:23
